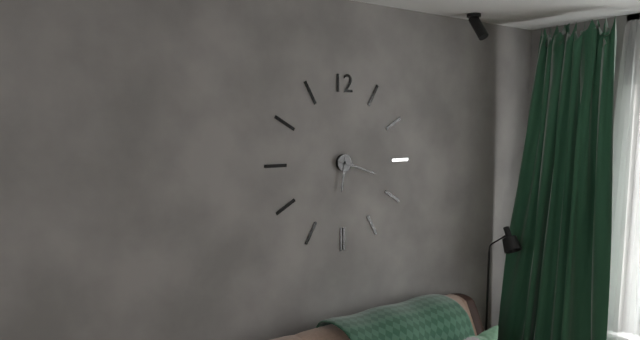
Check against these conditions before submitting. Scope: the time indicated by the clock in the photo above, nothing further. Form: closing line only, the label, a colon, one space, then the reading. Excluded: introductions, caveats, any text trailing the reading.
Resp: 6:18
